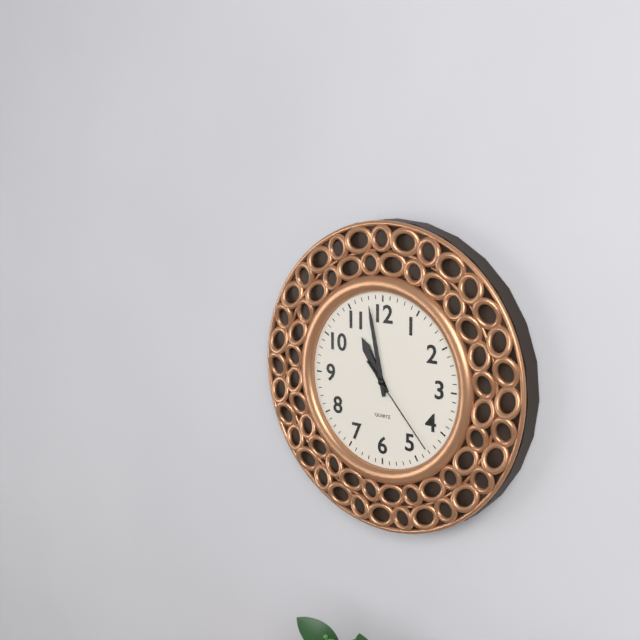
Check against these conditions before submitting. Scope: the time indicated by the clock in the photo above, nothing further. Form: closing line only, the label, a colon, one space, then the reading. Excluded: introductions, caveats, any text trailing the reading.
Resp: 10:58:23
